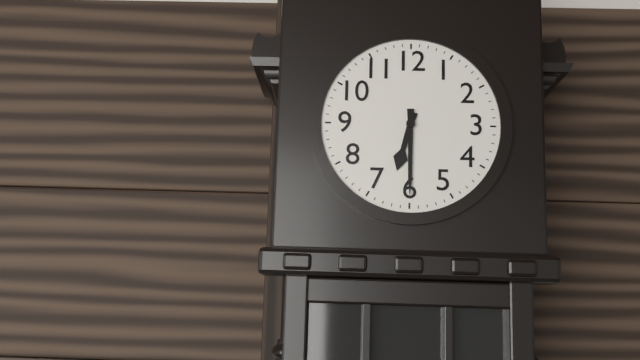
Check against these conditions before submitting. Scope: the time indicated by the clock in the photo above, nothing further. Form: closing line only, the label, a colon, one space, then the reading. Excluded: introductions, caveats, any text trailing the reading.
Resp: 6:30
